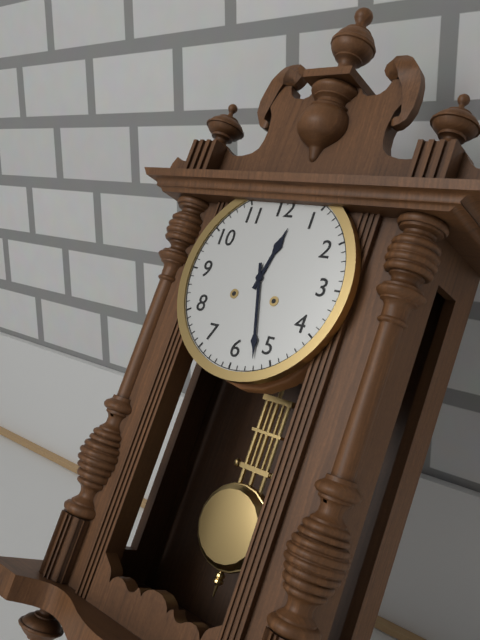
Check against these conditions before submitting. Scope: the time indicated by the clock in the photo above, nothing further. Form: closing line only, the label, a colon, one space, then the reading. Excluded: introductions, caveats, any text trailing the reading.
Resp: 12:27
